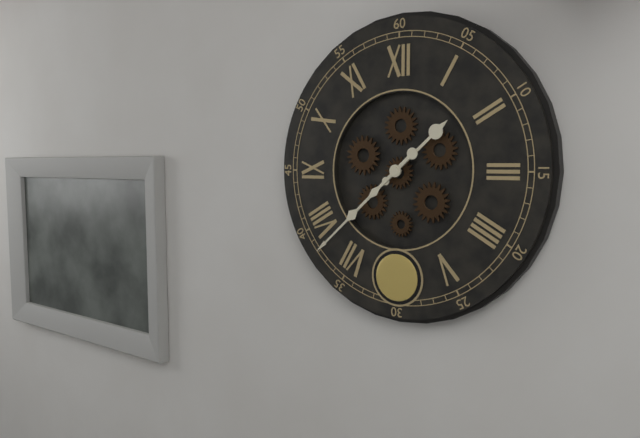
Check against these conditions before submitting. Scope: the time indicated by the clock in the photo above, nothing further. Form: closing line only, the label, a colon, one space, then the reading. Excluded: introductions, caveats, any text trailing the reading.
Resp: 1:38
